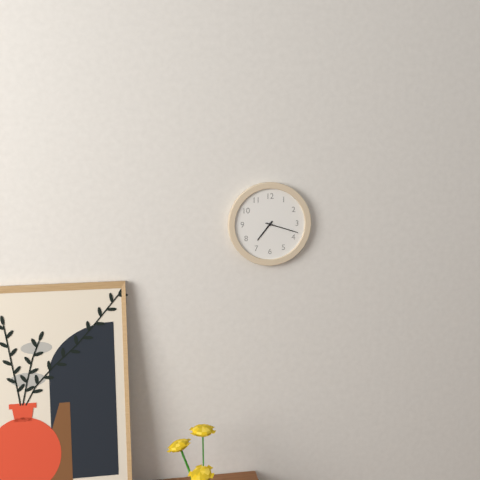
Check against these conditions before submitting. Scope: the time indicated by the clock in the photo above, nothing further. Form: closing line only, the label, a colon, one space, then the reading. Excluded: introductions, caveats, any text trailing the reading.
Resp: 7:18
